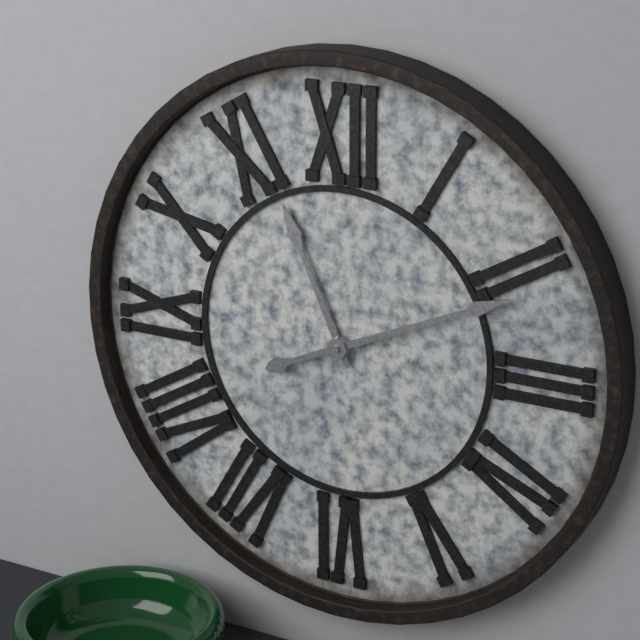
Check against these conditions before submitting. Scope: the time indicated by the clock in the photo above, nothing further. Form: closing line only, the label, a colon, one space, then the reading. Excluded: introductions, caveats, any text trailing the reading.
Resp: 11:11
